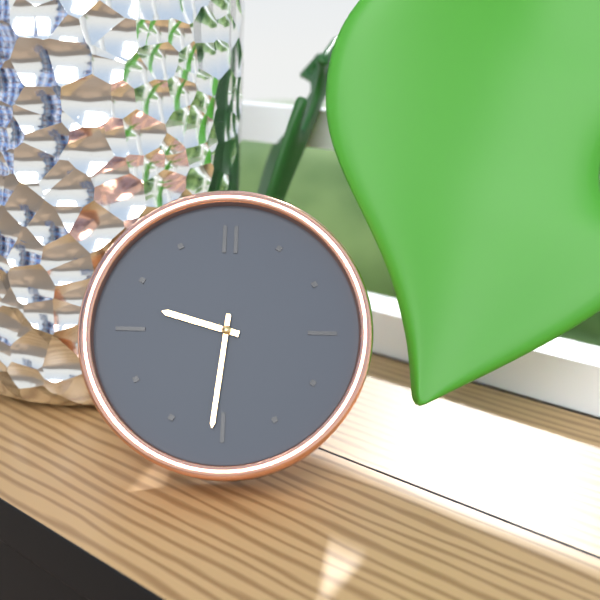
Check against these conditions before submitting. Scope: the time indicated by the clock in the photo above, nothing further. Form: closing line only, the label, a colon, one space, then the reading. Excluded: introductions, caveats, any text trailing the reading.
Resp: 9:31
